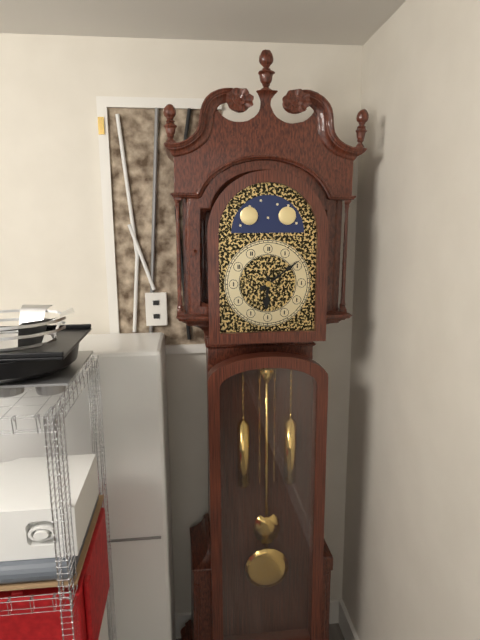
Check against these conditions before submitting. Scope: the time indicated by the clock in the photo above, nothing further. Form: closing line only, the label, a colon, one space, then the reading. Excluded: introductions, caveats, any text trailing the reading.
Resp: 6:09
